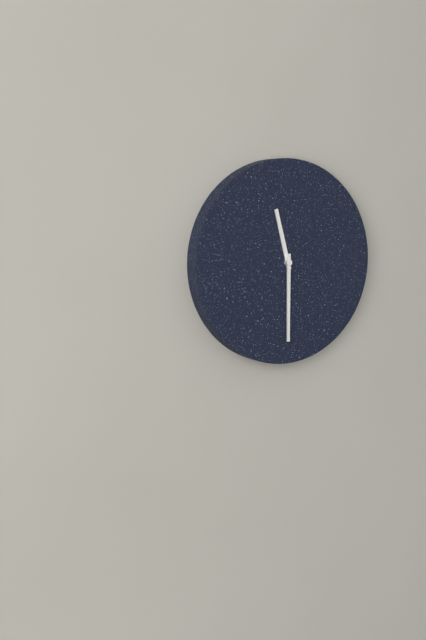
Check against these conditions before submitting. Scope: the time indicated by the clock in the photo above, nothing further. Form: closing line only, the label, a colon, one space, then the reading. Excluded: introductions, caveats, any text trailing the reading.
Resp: 11:30
